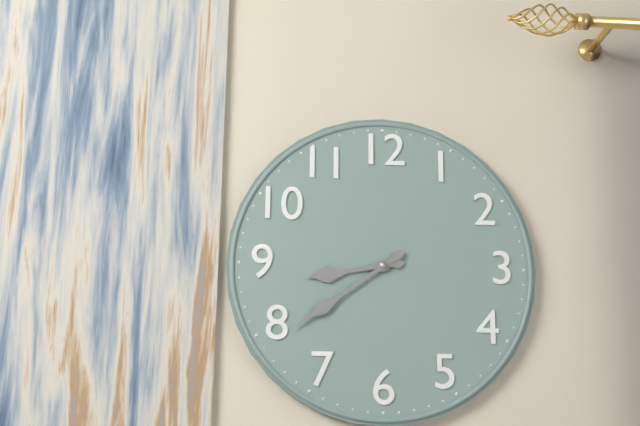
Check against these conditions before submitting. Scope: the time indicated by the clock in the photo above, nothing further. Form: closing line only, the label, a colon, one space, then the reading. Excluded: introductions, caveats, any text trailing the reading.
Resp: 8:39
